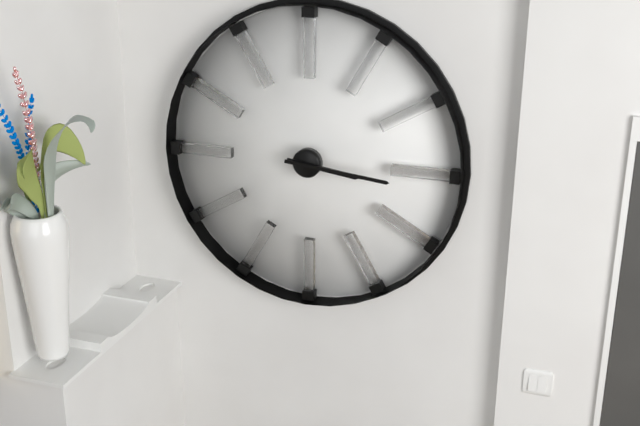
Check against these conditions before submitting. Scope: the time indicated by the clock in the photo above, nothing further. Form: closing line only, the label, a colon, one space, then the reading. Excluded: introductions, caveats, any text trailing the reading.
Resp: 3:16
